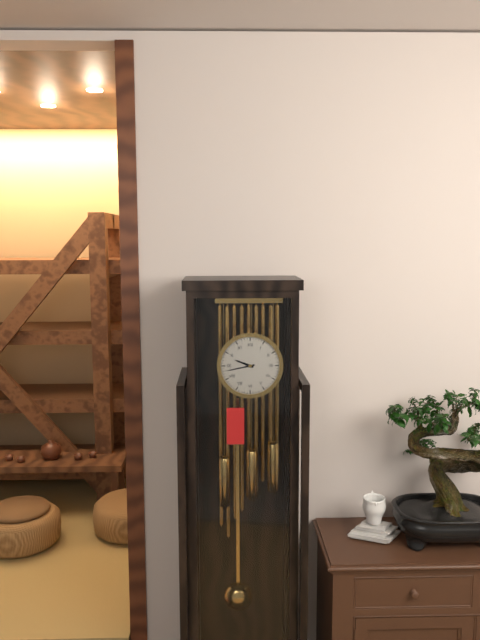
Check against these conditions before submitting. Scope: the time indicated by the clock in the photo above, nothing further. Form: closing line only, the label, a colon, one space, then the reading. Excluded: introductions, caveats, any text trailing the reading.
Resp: 9:43
